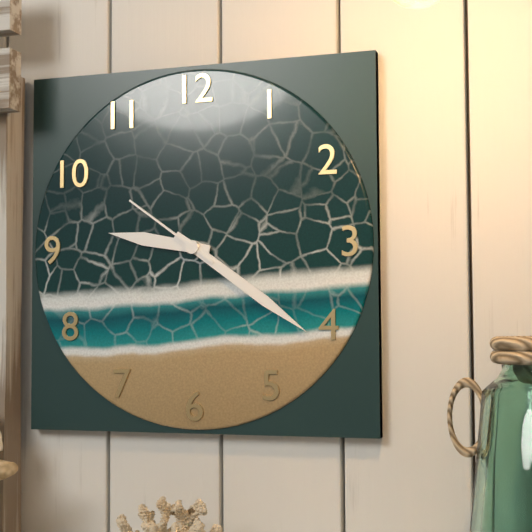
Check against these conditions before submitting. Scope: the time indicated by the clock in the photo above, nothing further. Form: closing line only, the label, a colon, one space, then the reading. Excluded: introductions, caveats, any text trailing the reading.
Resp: 9:21:51
